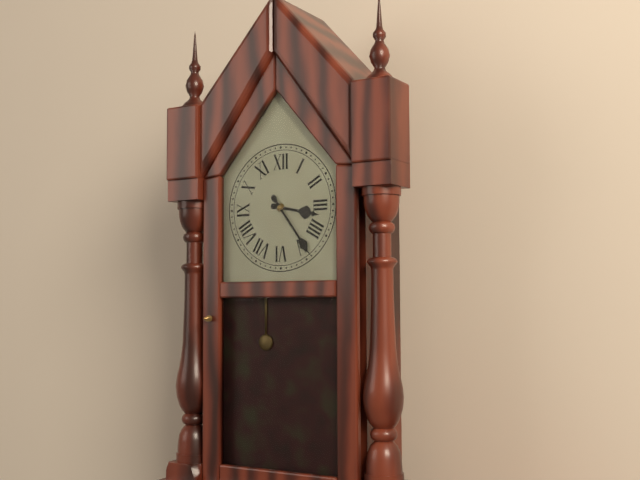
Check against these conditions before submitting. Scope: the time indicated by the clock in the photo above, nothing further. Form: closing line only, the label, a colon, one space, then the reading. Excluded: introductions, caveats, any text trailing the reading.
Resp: 3:24
